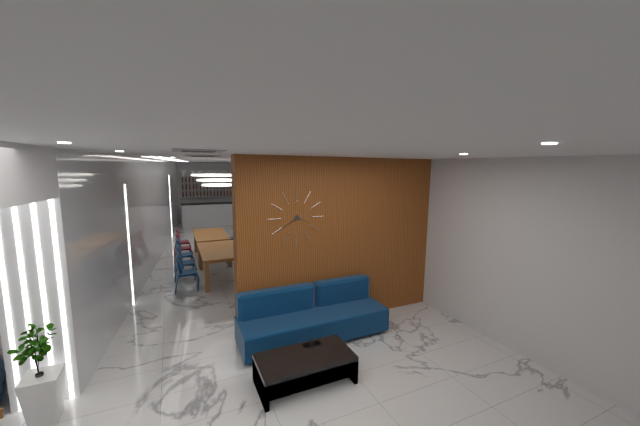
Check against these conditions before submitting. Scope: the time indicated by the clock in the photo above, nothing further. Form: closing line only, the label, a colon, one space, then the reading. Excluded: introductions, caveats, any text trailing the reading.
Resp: 3:40
